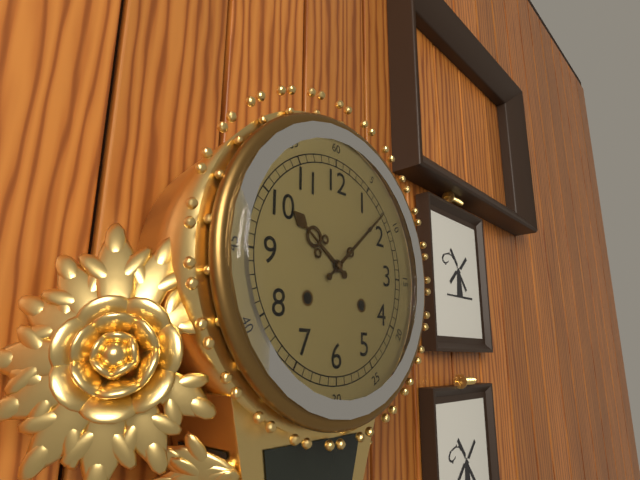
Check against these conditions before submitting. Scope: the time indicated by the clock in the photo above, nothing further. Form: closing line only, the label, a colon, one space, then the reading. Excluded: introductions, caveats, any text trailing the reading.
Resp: 10:08
